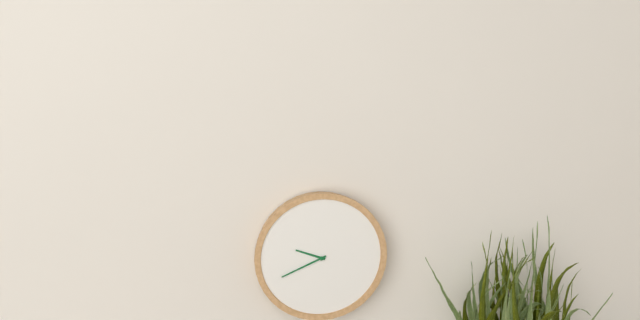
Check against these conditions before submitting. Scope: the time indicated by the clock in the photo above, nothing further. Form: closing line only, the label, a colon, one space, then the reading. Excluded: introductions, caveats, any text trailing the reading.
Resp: 9:41
